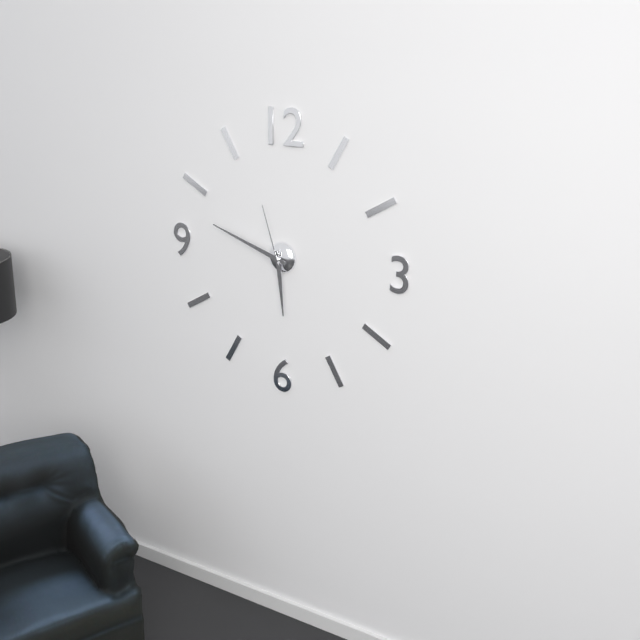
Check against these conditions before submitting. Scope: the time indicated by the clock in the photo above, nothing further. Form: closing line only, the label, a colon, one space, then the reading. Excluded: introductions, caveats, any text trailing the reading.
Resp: 5:48:57
